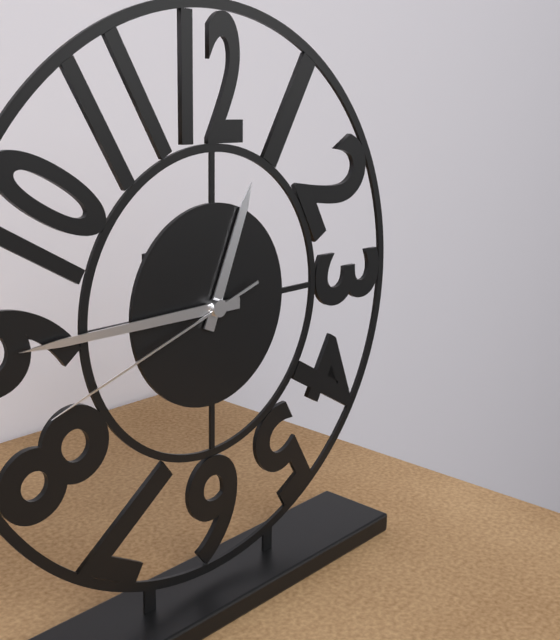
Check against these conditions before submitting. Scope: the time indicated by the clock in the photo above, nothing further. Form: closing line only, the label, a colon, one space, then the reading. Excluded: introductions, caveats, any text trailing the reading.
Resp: 12:45:42
